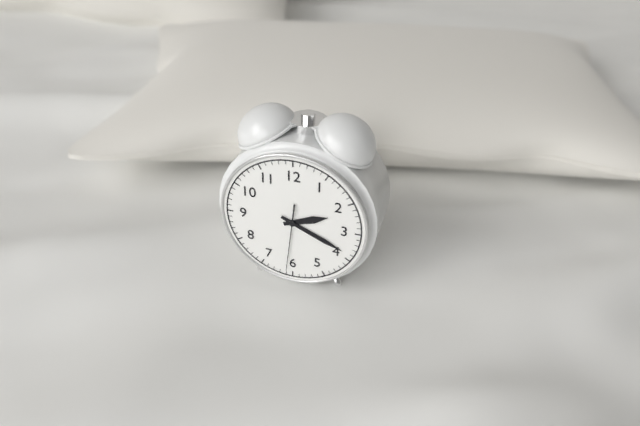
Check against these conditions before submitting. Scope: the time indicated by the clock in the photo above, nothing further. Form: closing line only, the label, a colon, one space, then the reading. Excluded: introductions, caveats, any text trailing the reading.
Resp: 2:19:31
